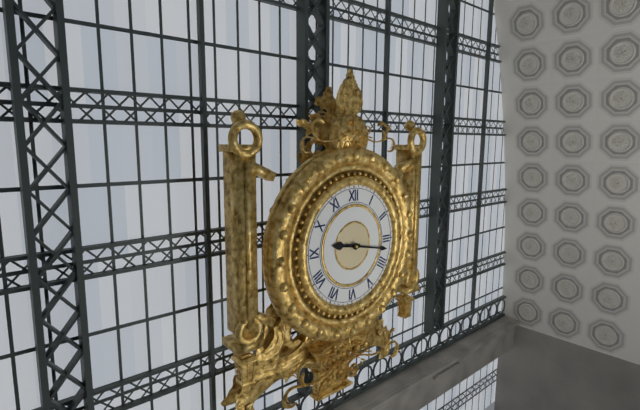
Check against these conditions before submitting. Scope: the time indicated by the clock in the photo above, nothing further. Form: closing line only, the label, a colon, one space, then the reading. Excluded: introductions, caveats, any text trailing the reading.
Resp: 9:17
